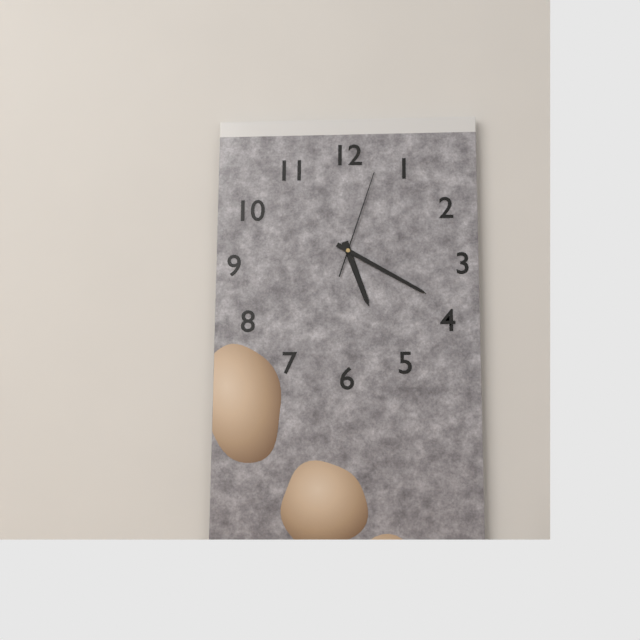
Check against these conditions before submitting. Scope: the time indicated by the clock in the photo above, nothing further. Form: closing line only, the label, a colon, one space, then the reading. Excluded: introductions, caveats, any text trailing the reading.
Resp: 5:20:03
